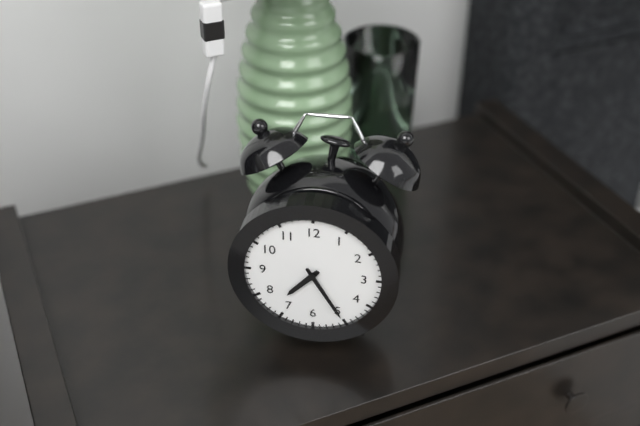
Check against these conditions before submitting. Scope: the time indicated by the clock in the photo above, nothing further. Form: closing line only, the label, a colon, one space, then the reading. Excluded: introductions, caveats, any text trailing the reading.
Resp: 7:25
